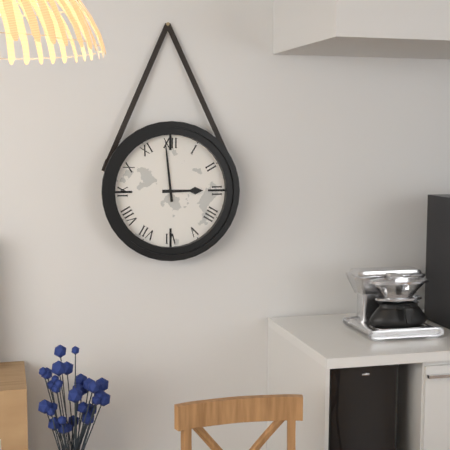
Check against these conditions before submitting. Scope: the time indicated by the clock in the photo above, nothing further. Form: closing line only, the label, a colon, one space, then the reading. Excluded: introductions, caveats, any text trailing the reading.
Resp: 2:59
